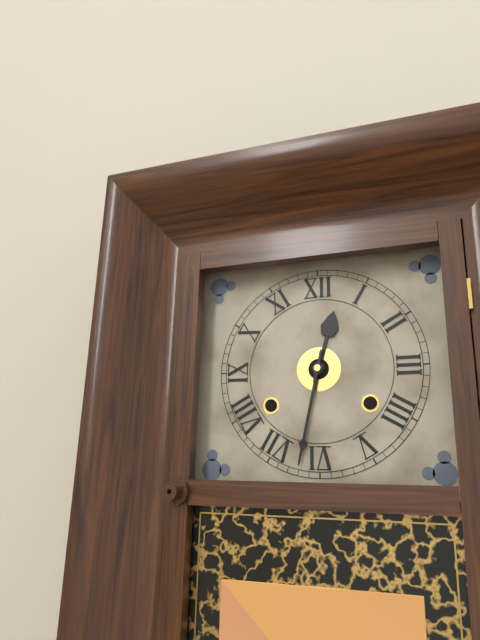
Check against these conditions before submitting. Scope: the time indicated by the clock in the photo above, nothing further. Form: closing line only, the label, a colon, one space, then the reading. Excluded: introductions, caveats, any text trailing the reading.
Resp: 12:32
